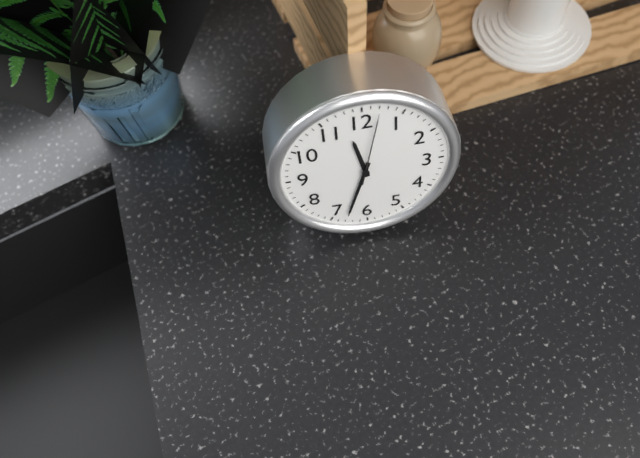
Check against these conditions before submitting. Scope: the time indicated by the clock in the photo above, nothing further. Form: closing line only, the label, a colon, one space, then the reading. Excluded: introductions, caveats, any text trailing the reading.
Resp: 11:33:02
